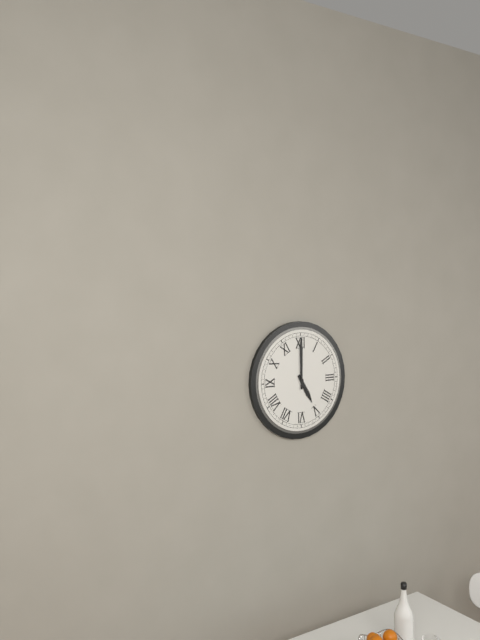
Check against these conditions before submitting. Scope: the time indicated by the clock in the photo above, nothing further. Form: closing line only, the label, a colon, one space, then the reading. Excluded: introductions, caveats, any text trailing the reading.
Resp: 5:00
